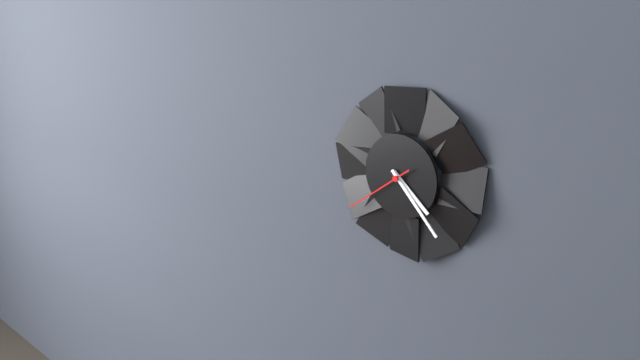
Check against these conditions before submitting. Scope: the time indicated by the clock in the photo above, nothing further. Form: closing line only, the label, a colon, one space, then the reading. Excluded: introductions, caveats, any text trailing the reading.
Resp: 4:23:39
